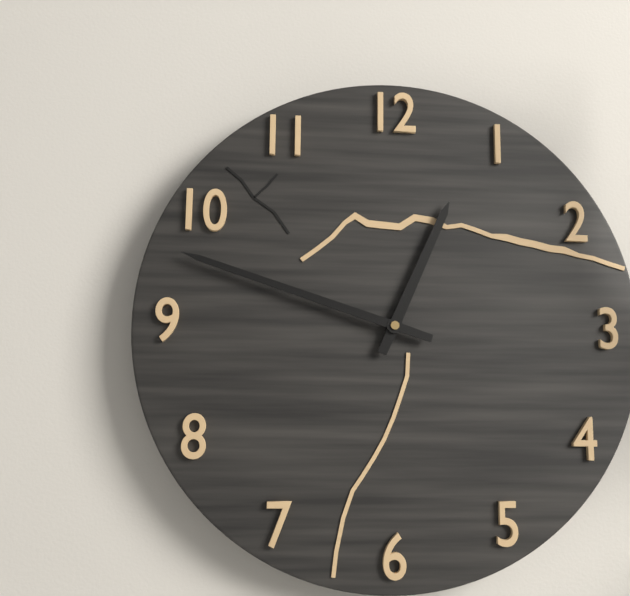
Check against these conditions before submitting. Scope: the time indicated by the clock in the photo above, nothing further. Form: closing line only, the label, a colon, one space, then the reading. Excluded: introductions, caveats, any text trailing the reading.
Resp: 12:48
